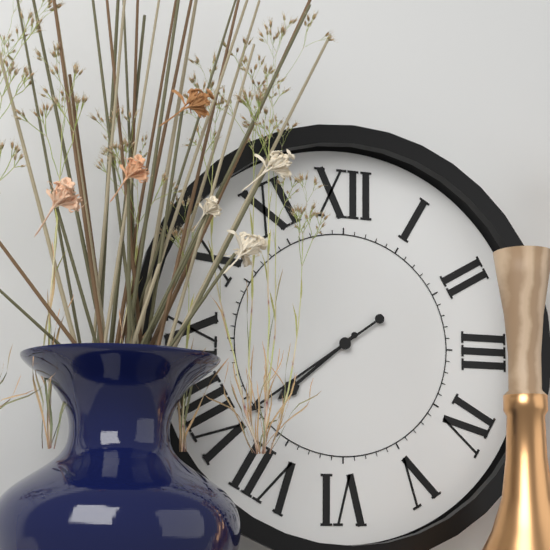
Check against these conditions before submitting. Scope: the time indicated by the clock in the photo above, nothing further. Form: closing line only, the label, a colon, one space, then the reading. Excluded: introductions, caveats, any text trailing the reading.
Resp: 7:39
